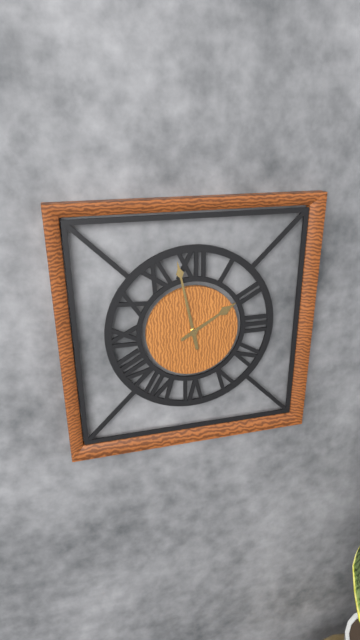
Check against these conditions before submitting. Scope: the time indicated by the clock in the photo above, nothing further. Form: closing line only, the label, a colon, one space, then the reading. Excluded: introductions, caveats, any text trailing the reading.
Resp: 1:58
